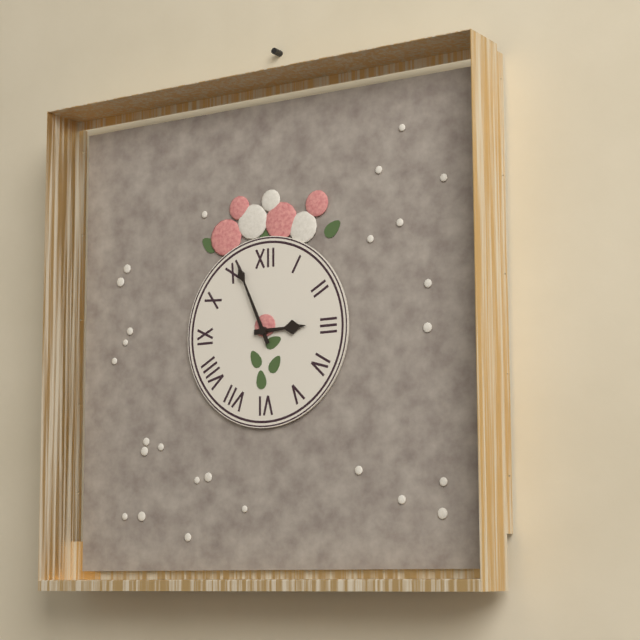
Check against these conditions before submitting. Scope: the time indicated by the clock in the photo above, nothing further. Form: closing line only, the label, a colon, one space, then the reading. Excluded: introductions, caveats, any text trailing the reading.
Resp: 2:56
